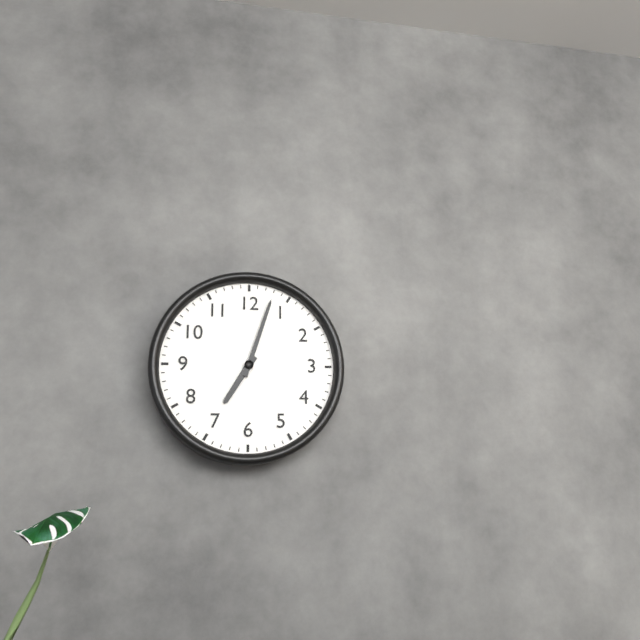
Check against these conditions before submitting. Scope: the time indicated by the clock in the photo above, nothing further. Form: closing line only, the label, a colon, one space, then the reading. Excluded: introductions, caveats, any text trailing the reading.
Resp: 7:03
